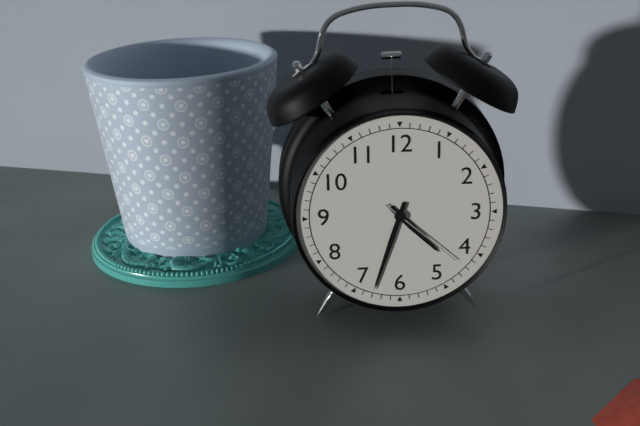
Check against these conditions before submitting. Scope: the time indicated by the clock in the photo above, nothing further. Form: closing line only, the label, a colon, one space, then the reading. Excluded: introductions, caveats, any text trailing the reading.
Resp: 4:33:22
